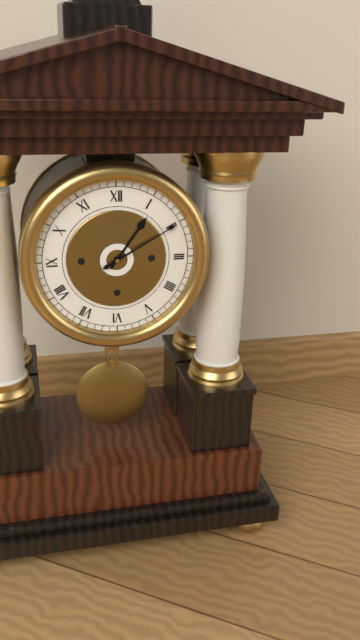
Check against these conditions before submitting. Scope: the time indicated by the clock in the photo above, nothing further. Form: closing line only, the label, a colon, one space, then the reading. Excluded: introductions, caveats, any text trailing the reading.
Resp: 1:10
